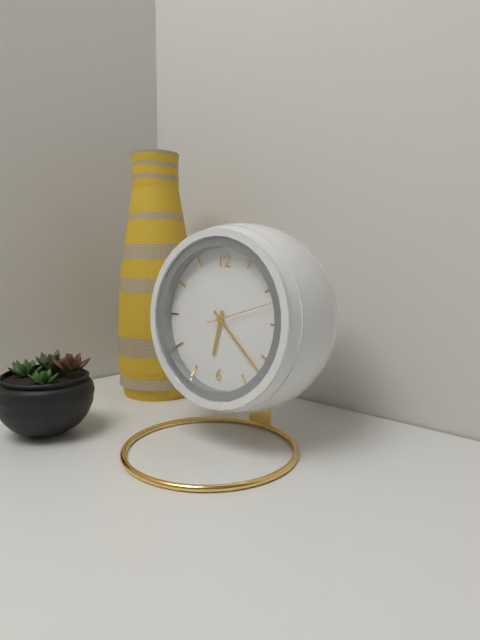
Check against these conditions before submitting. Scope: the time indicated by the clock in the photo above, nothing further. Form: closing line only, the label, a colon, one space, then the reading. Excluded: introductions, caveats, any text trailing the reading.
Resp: 6:22:12
